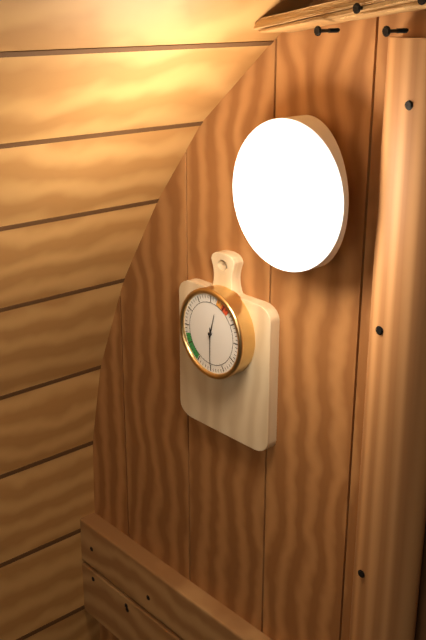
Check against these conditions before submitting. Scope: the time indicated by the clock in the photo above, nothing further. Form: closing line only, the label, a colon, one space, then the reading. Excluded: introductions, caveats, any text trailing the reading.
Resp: 12:30
